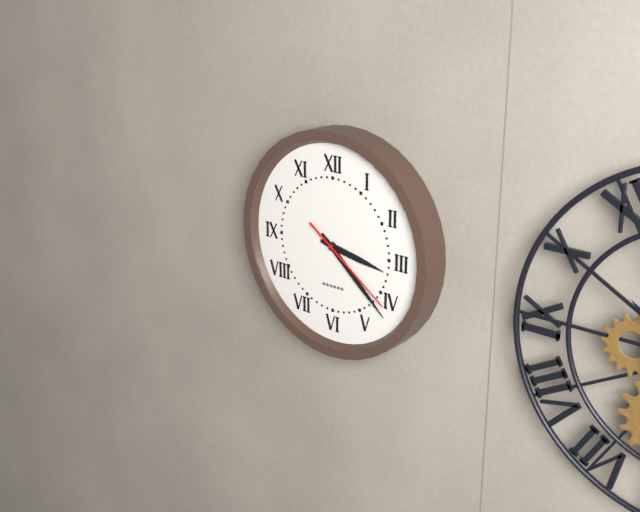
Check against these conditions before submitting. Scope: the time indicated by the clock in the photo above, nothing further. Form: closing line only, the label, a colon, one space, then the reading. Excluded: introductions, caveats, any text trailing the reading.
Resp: 3:22:21
